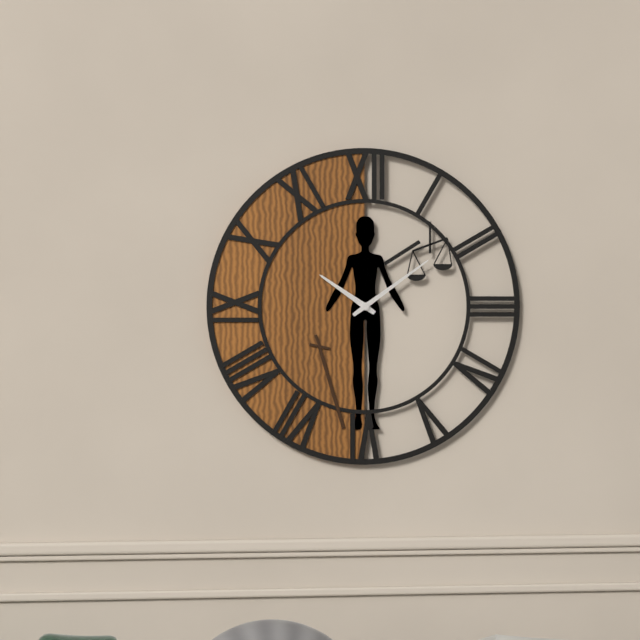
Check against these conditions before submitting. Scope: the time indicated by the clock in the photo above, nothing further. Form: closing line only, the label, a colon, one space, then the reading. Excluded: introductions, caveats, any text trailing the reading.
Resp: 10:09
